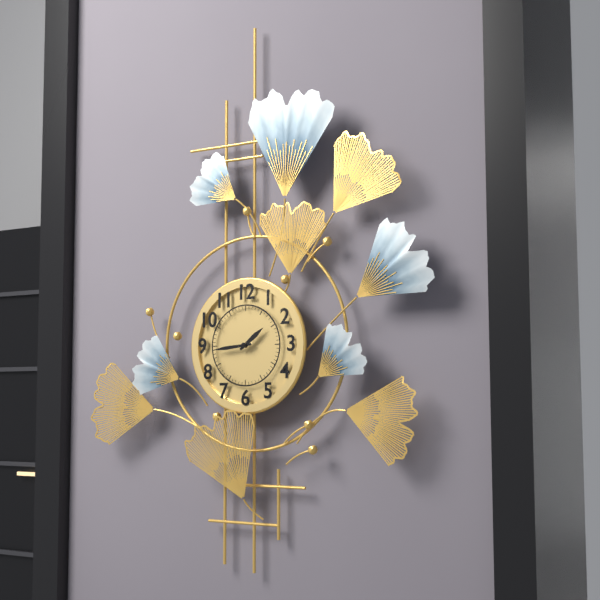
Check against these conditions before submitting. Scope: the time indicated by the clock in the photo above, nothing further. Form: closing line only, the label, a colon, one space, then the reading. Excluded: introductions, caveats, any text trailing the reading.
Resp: 1:44
